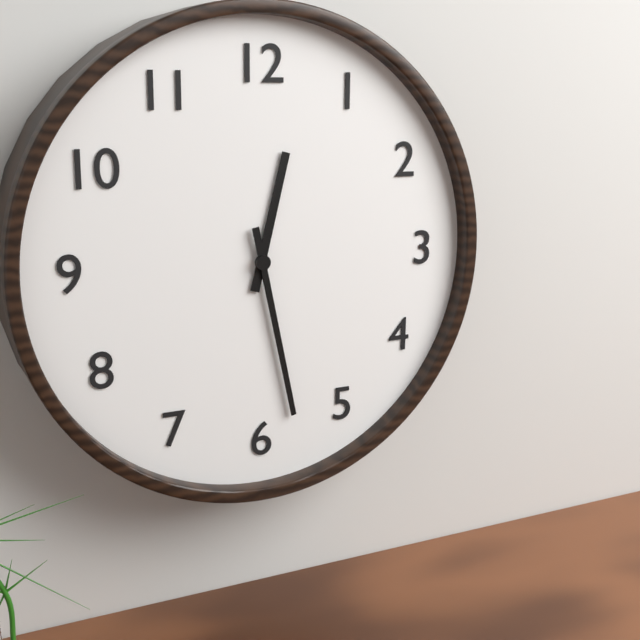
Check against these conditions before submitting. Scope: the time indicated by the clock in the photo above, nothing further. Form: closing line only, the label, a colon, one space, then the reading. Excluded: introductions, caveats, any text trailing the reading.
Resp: 12:28
